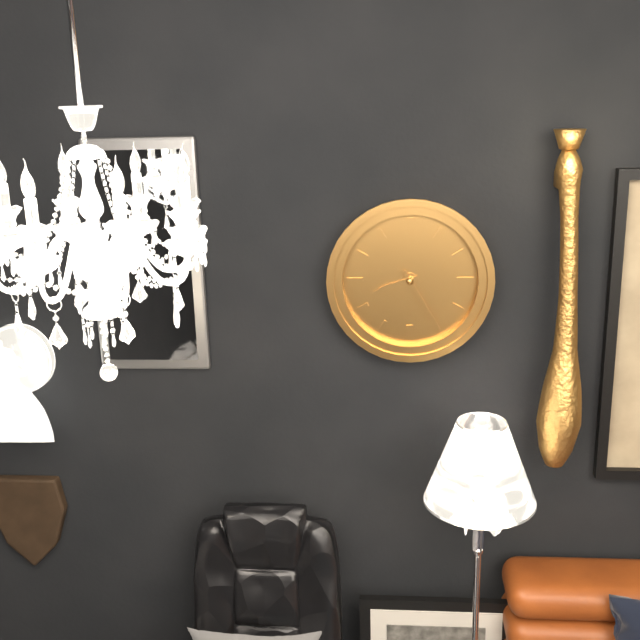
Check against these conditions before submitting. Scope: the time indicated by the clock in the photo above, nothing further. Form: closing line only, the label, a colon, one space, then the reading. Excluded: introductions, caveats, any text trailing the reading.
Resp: 8:25
